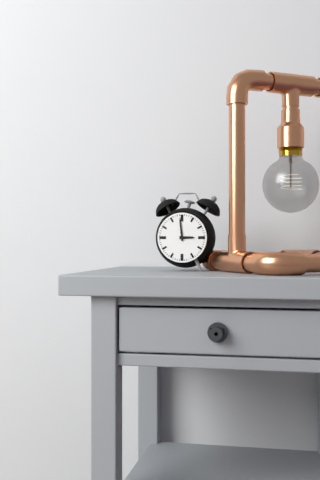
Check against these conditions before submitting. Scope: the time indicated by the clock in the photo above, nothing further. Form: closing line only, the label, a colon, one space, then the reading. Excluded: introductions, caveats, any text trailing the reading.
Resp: 2:59
